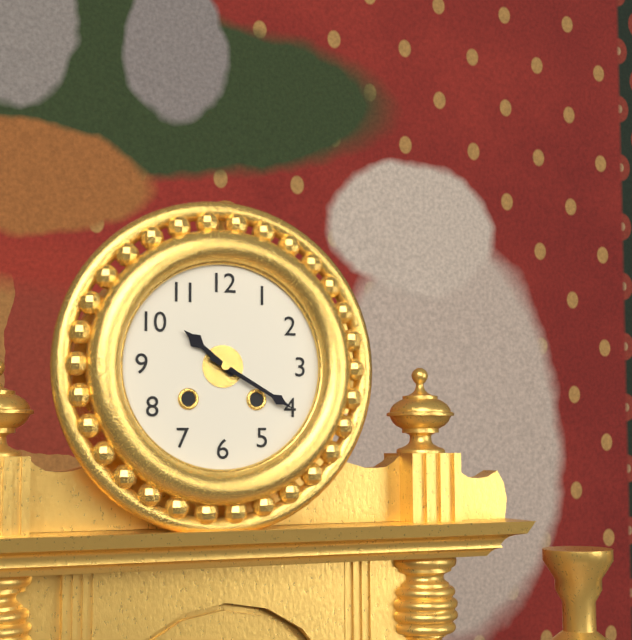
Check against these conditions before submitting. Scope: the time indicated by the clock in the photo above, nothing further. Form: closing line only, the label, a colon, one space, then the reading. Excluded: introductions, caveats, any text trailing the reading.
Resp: 10:20
